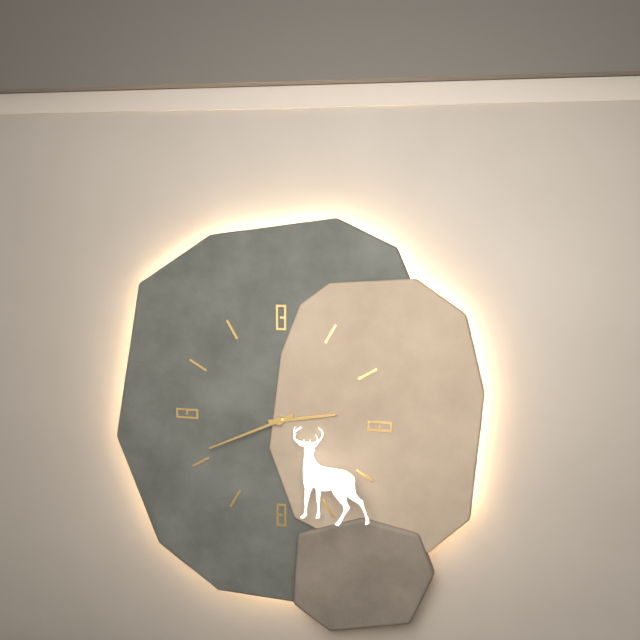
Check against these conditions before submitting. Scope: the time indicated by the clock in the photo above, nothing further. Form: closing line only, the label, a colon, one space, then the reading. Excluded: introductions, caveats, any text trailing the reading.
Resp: 2:41
